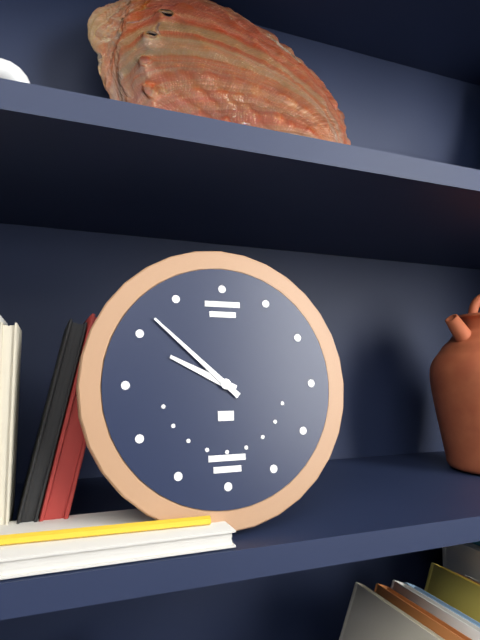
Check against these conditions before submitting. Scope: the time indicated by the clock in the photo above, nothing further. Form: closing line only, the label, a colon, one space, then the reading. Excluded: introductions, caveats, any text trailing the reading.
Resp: 9:52
